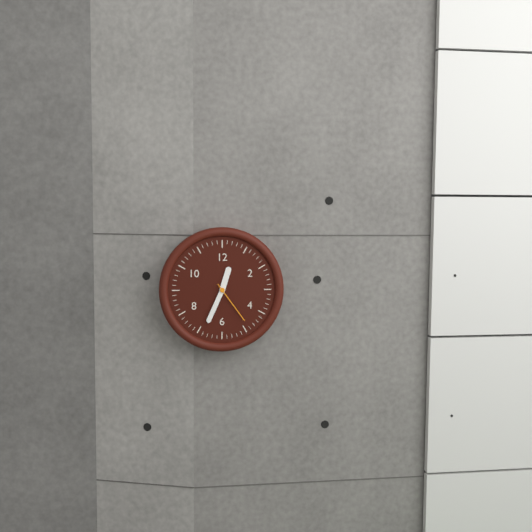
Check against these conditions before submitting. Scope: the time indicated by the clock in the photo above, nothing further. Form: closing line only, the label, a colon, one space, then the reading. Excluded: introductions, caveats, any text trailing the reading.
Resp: 12:34:24
